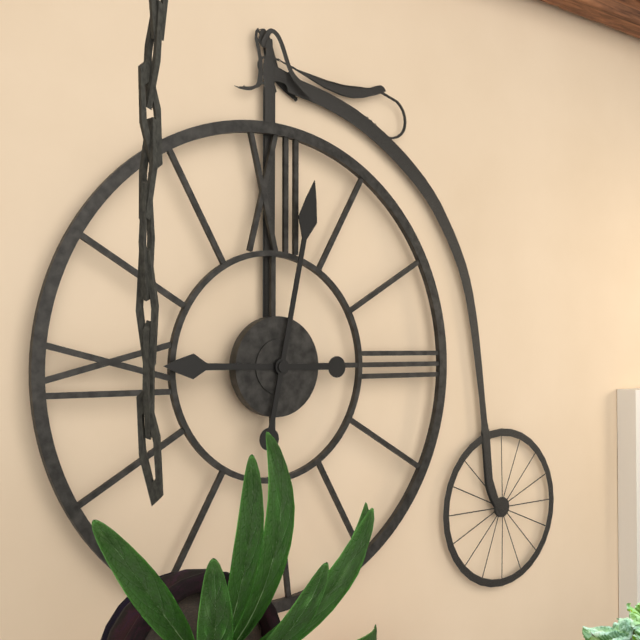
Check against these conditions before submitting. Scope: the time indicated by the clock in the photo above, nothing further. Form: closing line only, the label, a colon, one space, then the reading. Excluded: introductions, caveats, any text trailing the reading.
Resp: 9:02
